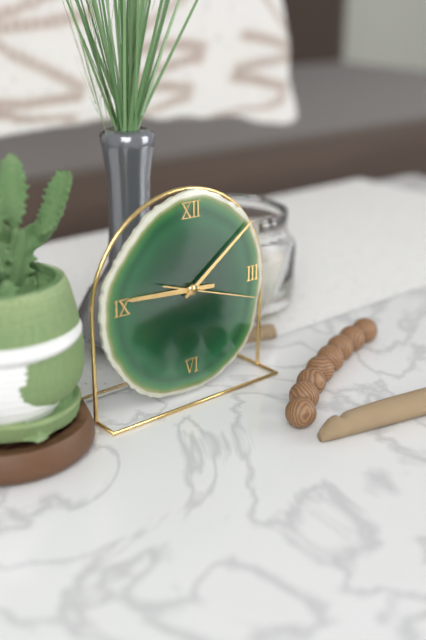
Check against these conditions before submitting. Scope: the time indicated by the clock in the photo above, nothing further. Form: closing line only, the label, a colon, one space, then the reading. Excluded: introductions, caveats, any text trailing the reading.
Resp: 9:09:18
